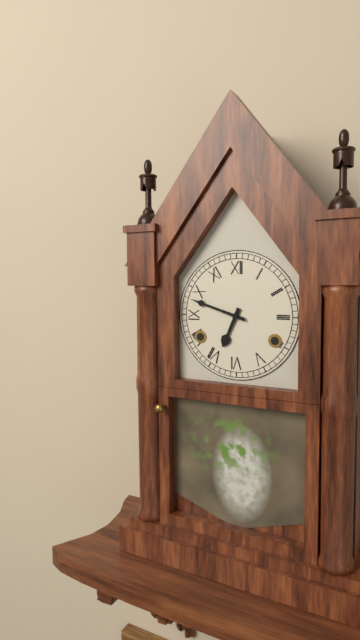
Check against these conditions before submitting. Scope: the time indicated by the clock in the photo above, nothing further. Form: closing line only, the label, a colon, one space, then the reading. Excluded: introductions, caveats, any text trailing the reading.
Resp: 6:48
